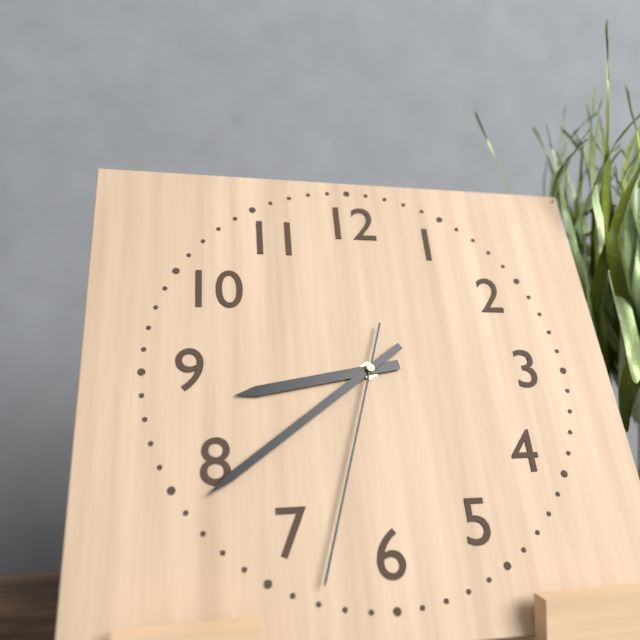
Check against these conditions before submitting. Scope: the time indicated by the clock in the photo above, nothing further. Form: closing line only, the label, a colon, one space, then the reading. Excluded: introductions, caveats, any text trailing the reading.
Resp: 8:39:33
